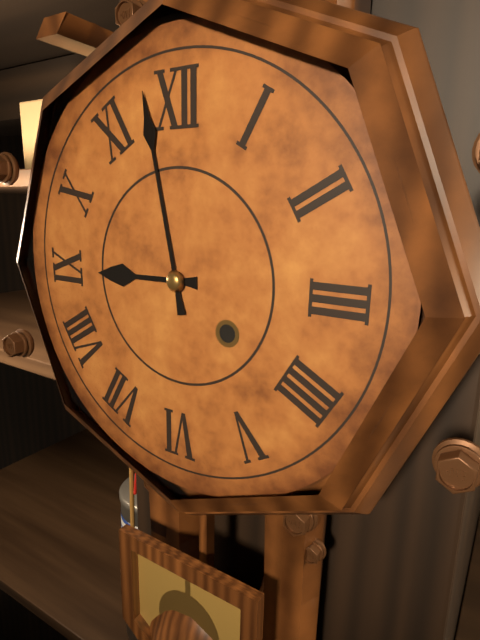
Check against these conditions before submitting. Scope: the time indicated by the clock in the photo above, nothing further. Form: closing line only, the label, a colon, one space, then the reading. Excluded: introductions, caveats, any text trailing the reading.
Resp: 8:58
